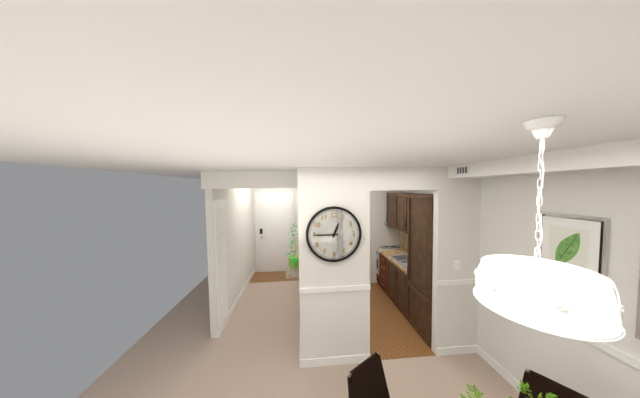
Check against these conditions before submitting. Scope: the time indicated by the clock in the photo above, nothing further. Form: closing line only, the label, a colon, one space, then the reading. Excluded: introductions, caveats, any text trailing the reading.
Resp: 12:45
